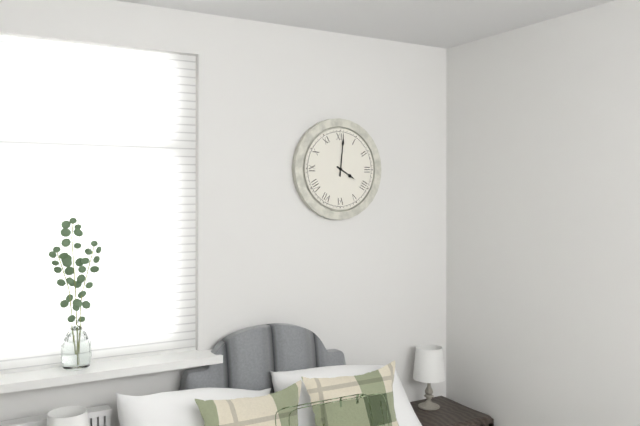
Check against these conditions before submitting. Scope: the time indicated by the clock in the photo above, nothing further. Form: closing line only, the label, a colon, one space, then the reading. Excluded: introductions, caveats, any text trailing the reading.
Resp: 4:01
